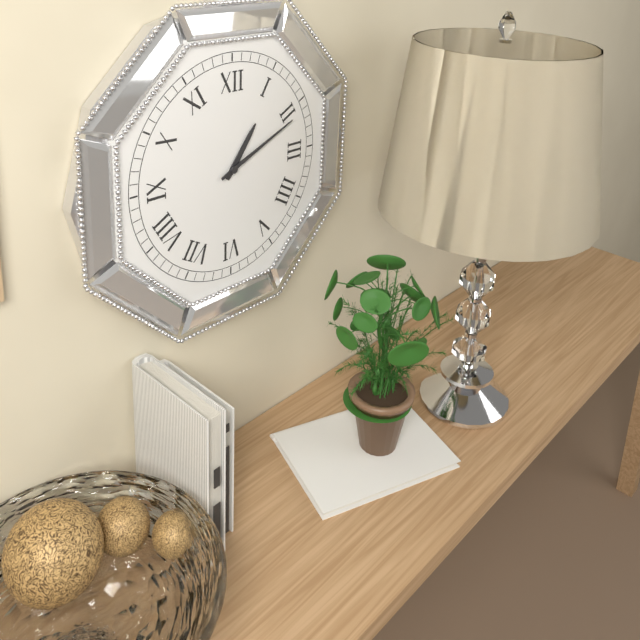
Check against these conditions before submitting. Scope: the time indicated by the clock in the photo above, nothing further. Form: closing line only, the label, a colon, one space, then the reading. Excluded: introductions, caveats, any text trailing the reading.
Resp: 1:11
